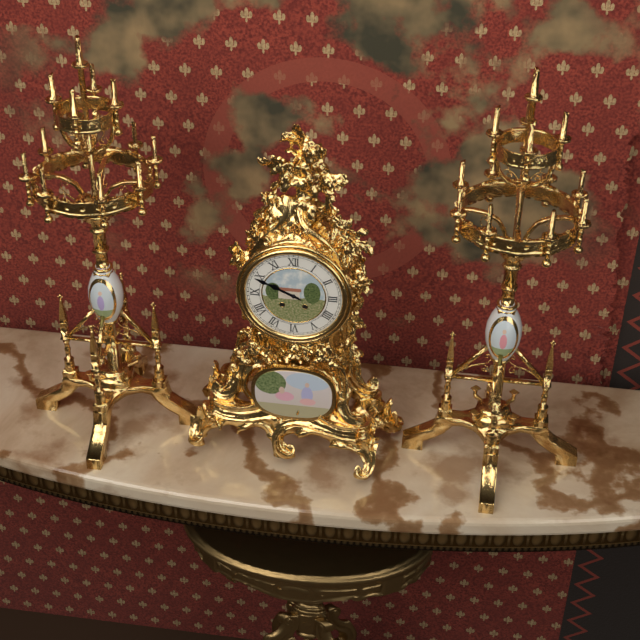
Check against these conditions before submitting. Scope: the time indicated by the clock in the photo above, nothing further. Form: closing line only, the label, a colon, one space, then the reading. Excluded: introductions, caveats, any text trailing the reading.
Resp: 9:49
